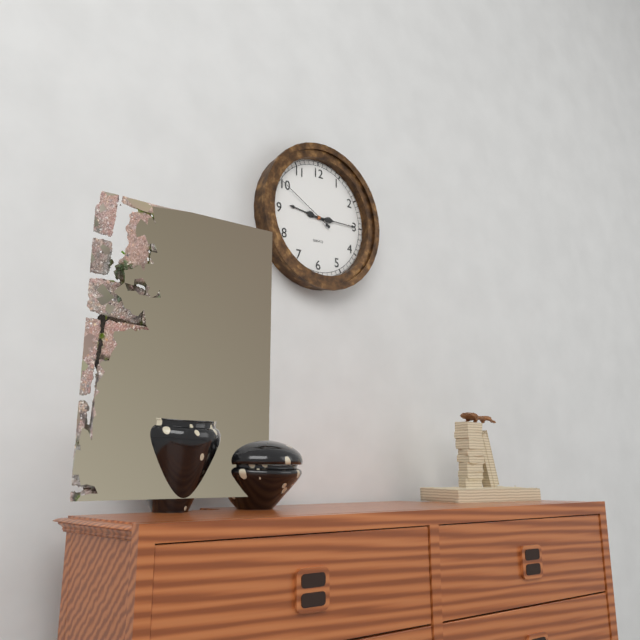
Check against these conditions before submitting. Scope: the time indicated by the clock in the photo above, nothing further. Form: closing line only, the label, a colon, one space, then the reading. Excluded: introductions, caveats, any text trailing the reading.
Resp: 9:15:50
